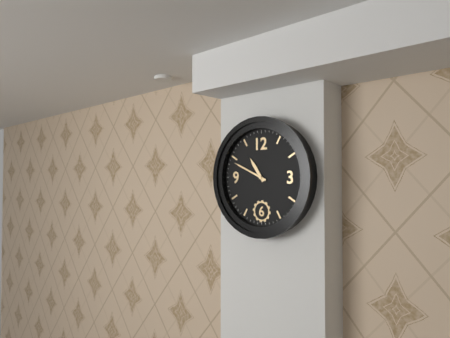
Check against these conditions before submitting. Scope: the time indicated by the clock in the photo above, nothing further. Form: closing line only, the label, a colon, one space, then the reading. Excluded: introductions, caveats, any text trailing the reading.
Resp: 10:49
